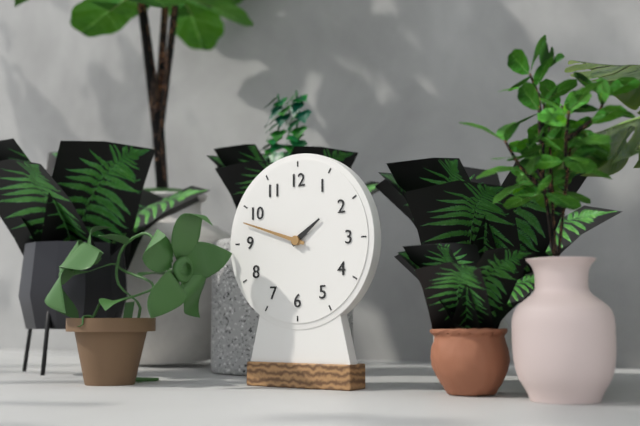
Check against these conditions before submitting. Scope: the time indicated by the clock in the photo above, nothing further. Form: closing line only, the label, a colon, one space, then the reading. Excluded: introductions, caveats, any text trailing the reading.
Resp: 1:48
